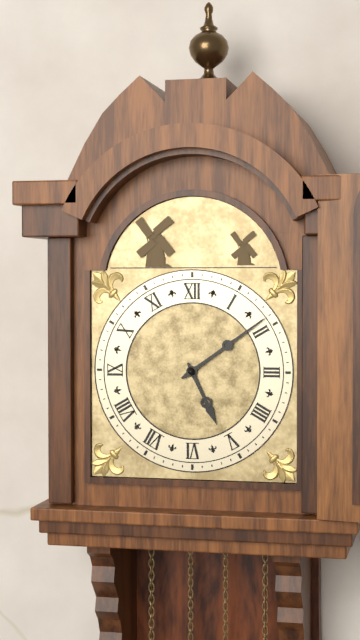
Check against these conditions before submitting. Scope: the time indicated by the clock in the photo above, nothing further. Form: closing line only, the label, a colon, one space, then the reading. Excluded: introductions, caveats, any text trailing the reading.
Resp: 5:09
